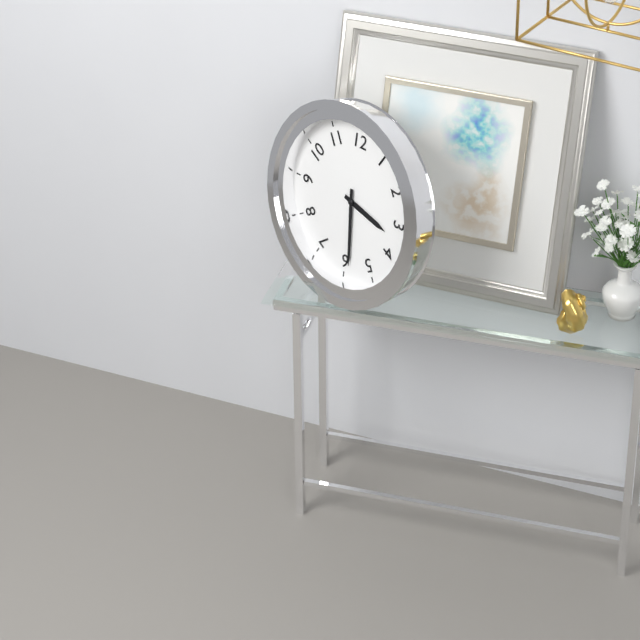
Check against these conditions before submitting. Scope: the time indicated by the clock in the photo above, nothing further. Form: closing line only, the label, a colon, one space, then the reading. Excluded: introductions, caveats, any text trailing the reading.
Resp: 3:29
